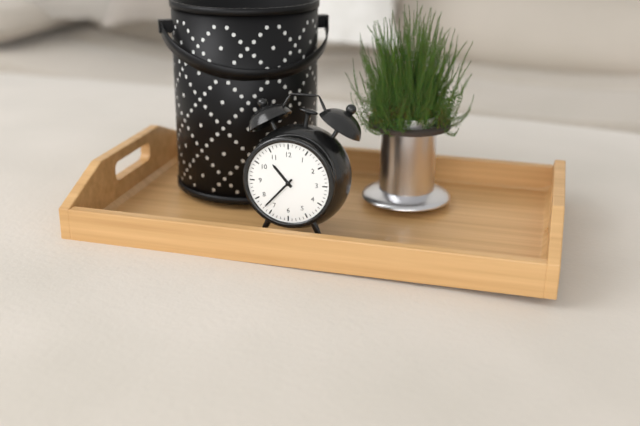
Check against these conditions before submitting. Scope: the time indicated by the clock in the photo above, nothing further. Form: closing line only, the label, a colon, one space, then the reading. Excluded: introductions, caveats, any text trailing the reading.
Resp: 10:37
